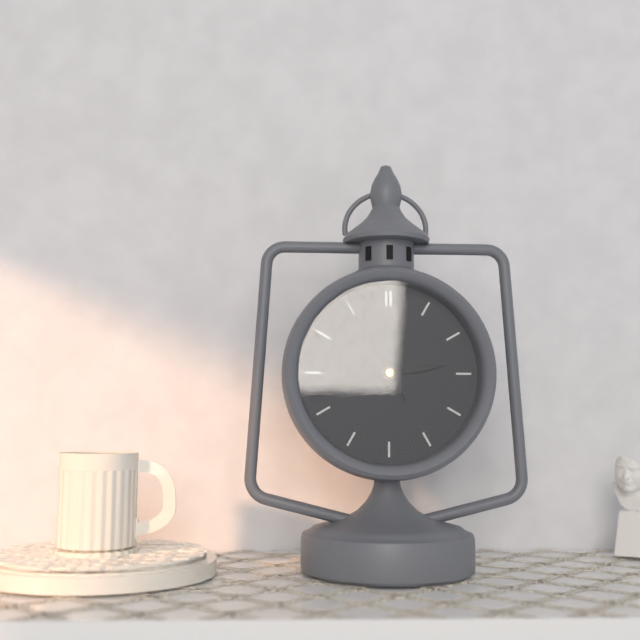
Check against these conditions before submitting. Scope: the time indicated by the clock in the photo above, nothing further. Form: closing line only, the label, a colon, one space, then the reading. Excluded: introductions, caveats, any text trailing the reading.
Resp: 2:42:55
